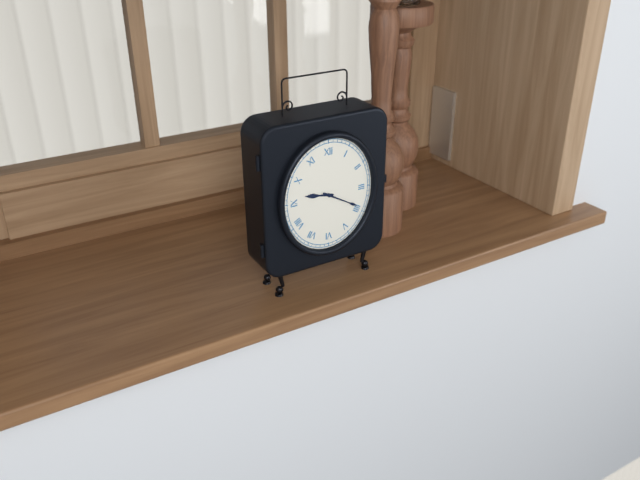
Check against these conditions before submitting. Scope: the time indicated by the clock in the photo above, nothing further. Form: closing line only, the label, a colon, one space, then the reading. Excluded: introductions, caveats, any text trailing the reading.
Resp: 9:20
